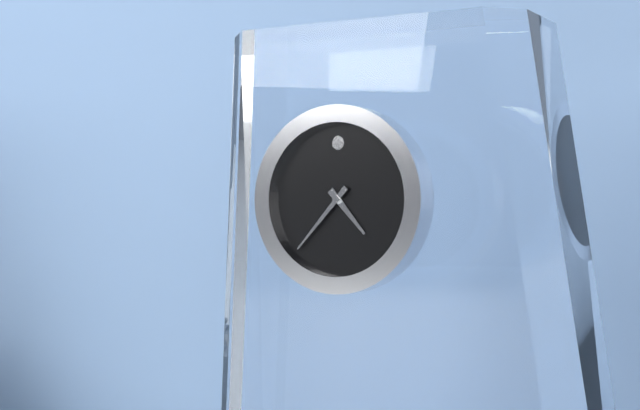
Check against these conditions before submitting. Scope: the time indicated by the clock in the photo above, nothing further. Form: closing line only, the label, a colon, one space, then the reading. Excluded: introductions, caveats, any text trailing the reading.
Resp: 4:37
